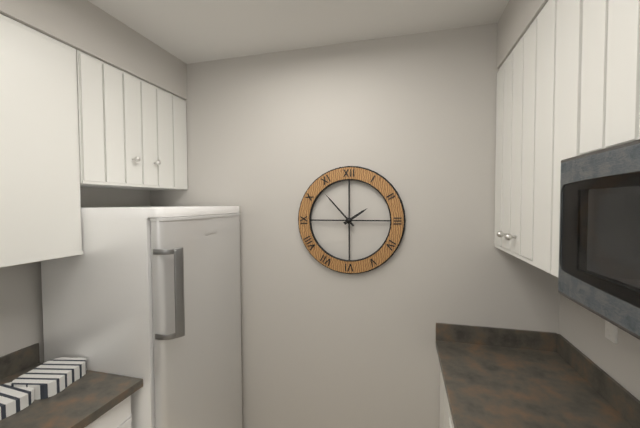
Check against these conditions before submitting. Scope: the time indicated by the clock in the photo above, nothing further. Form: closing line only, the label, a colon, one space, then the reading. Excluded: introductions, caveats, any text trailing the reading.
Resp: 1:53
